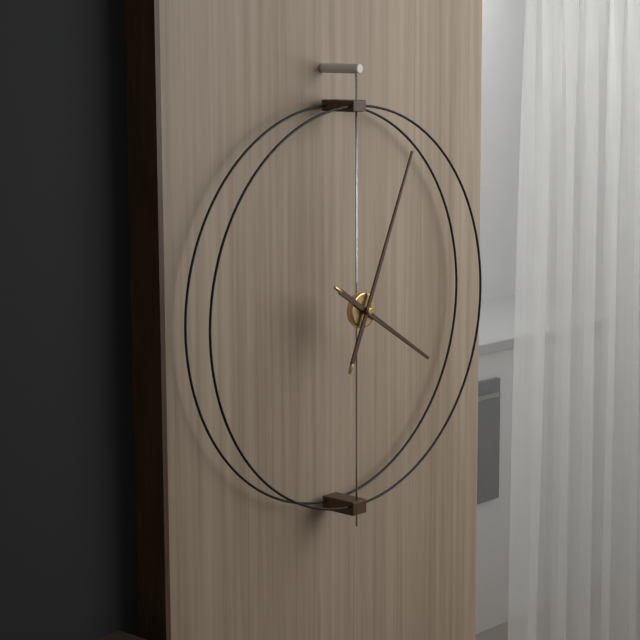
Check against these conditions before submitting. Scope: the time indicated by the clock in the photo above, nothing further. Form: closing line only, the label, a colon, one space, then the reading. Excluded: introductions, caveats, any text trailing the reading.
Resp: 4:04
